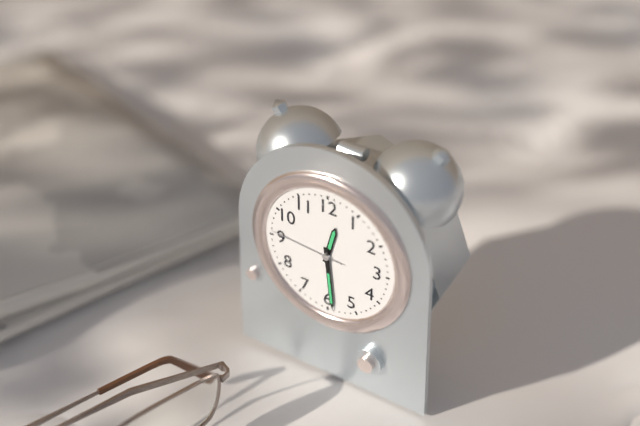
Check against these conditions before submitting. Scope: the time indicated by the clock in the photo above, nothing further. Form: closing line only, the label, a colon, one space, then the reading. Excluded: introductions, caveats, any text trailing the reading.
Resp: 12:29:46
